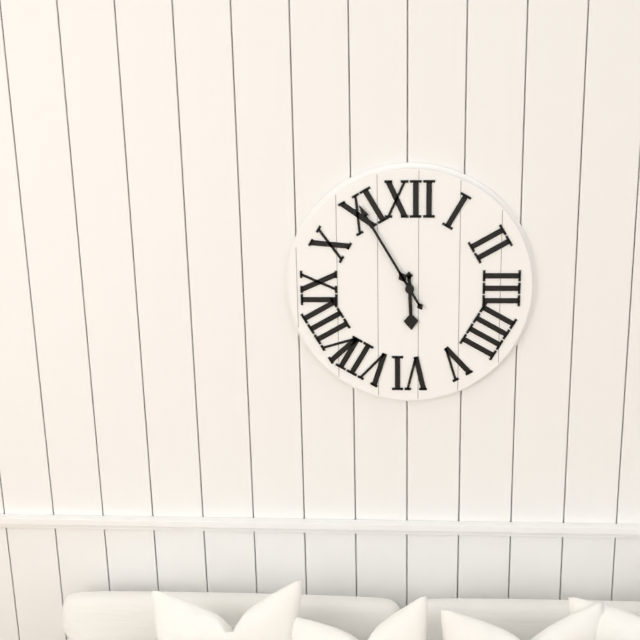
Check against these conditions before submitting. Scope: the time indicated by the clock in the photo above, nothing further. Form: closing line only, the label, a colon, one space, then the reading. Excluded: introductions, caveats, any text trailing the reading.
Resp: 5:55
